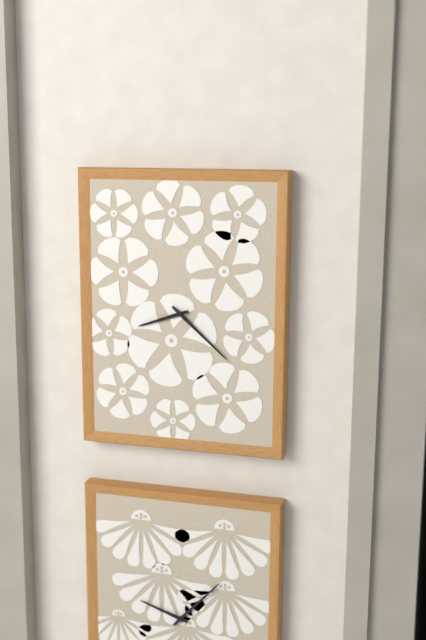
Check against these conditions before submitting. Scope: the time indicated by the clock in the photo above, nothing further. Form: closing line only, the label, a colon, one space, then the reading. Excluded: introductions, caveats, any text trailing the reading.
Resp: 8:22
